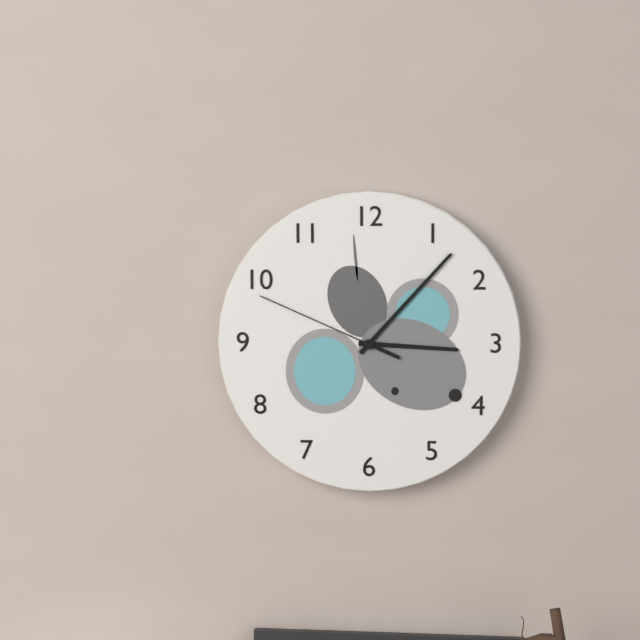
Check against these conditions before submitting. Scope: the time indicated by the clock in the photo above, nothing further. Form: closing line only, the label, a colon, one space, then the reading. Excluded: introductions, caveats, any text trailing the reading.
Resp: 3:07:49
